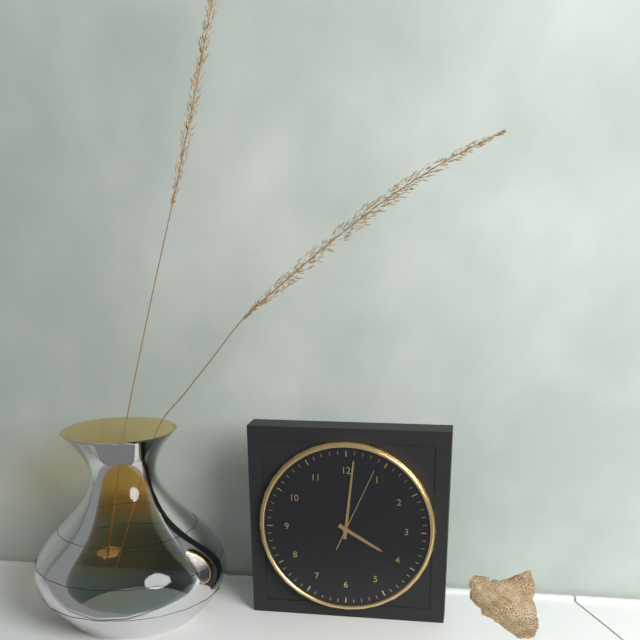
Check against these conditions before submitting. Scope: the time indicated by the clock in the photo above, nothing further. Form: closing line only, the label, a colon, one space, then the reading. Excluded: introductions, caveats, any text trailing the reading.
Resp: 4:01:04
